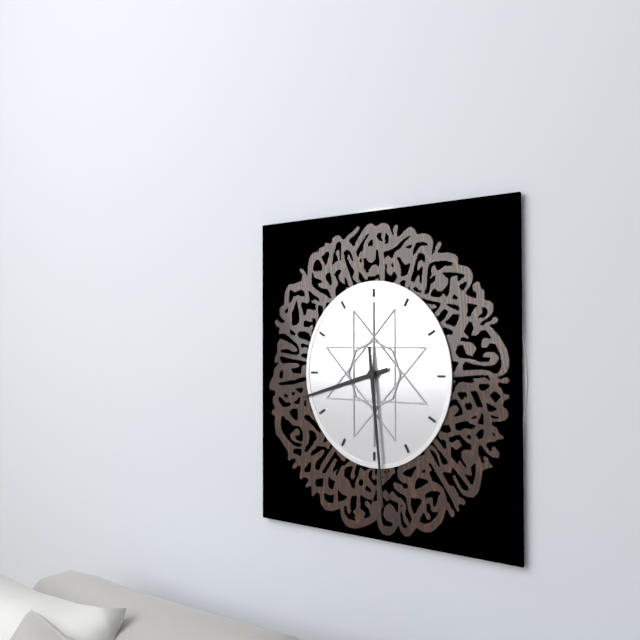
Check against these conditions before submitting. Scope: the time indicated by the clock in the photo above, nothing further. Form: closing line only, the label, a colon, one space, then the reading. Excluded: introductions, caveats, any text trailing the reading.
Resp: 8:29
